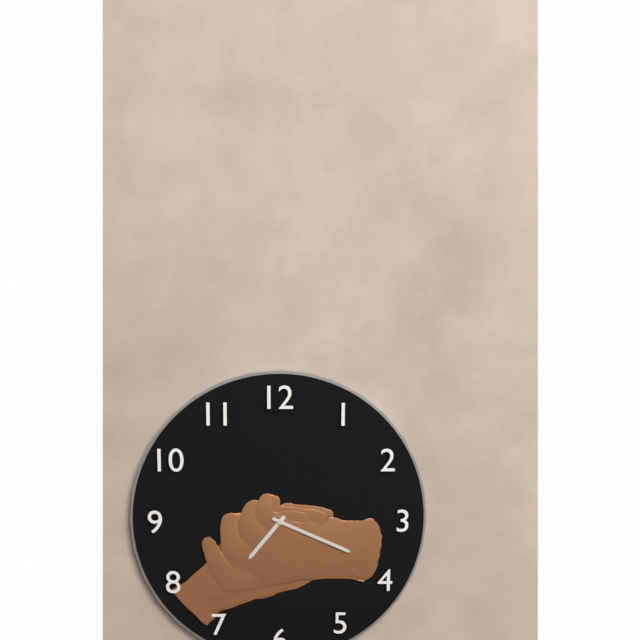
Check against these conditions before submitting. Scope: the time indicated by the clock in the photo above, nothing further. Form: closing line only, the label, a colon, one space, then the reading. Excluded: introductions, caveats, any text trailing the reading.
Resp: 7:19
